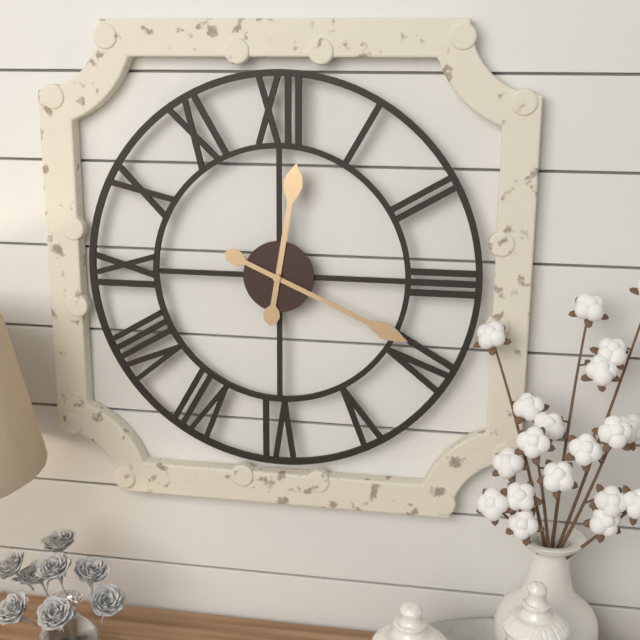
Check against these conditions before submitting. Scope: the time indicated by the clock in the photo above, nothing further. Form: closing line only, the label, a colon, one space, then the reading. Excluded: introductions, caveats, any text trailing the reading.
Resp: 12:19
